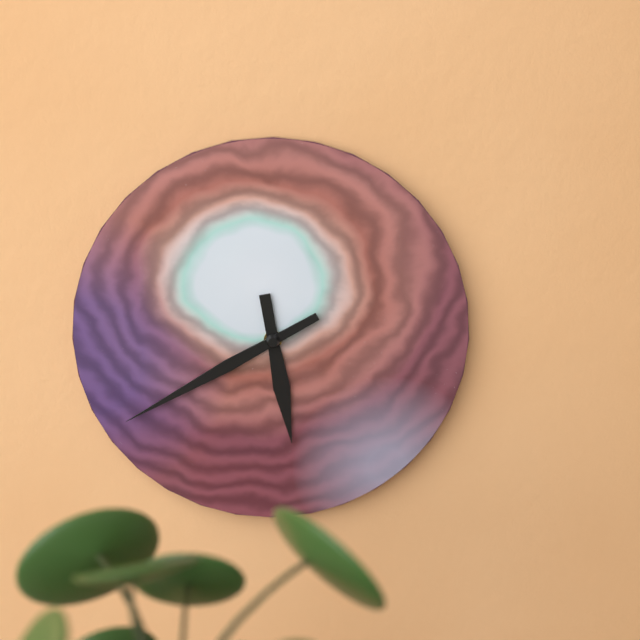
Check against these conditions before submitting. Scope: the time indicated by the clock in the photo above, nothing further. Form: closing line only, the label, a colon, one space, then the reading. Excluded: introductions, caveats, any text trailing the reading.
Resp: 5:40
